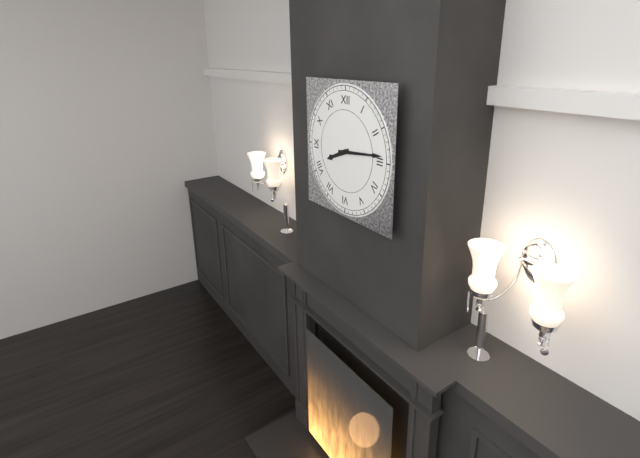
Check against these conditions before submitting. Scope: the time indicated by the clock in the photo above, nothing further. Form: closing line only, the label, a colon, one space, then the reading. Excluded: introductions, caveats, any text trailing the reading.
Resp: 8:14
